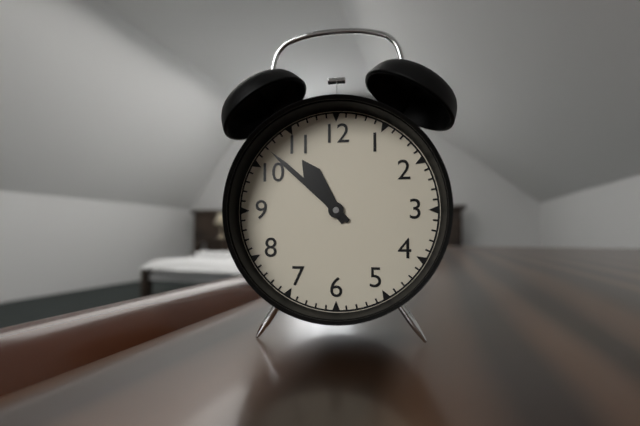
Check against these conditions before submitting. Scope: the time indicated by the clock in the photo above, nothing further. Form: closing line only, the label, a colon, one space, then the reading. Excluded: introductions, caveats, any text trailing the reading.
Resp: 10:52
